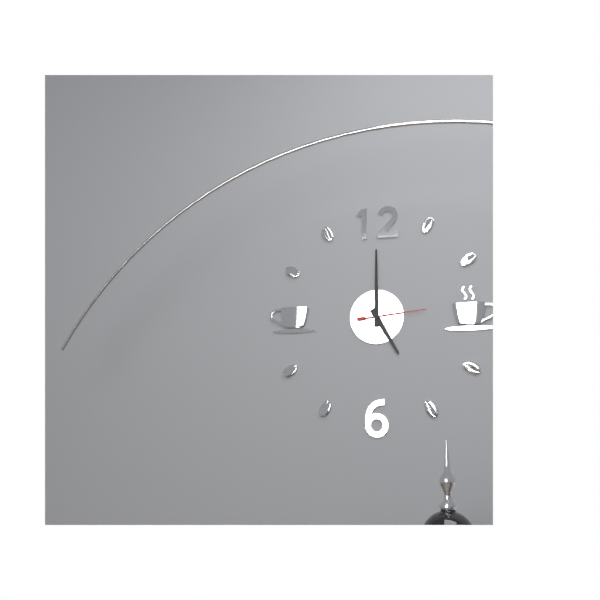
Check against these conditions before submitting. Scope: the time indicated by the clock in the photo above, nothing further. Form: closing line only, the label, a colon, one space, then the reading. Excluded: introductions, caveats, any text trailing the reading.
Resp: 5:00:14
